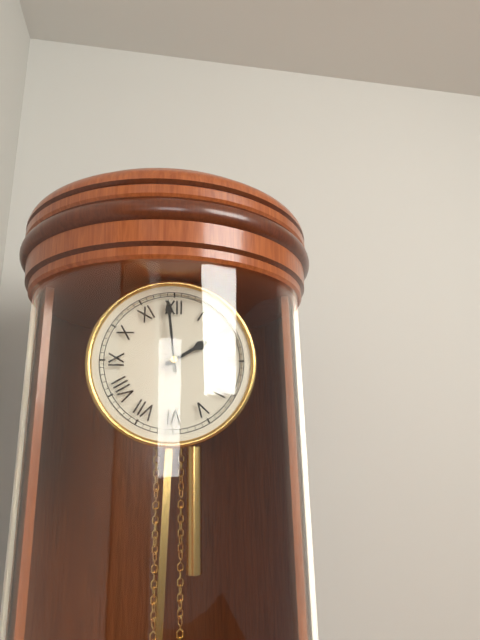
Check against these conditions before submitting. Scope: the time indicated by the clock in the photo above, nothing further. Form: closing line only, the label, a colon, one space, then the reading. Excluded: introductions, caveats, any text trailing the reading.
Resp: 1:59
